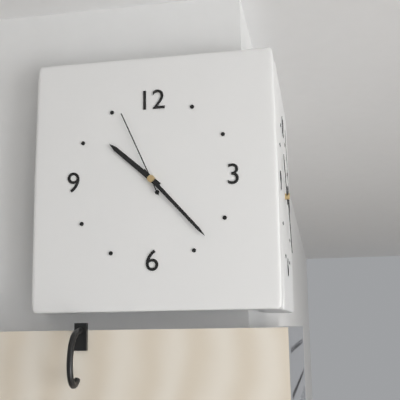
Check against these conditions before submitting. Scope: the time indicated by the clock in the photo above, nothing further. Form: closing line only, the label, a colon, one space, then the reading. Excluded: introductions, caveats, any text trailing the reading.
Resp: 10:23:56
